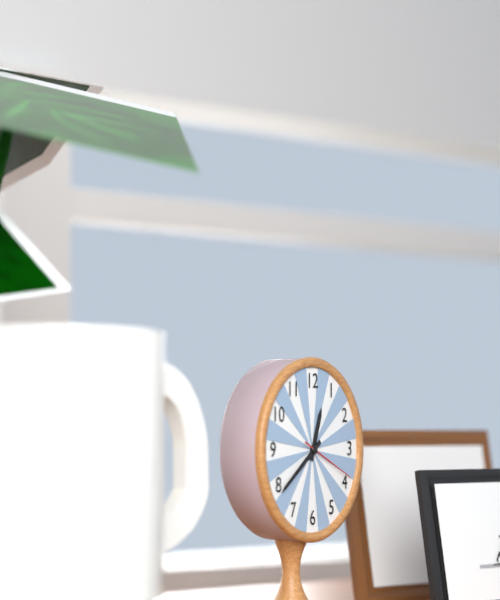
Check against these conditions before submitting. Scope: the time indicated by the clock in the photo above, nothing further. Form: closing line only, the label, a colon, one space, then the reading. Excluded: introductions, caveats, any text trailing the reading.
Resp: 12:39:19
